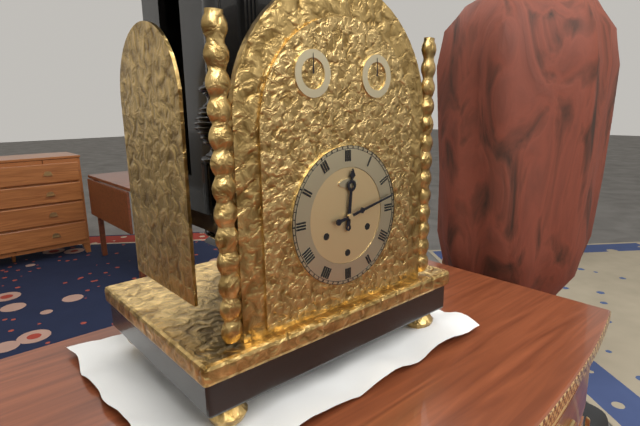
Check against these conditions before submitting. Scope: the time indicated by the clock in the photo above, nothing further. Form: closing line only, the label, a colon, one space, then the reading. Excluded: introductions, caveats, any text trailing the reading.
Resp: 12:13
